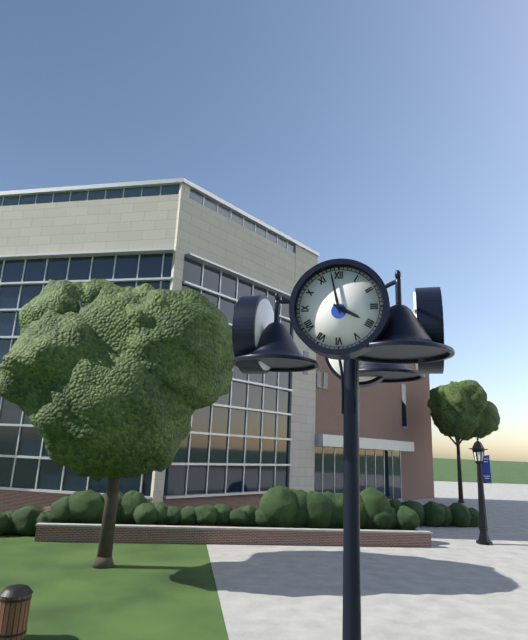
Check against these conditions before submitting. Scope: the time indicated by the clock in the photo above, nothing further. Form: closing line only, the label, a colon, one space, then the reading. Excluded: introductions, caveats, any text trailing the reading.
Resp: 3:58
